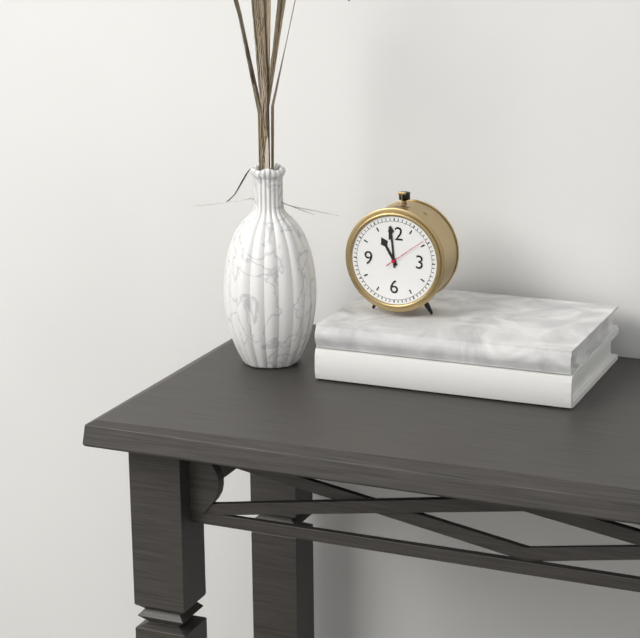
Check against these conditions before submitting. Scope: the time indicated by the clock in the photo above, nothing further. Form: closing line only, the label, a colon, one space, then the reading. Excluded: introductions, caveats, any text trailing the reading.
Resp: 10:59
